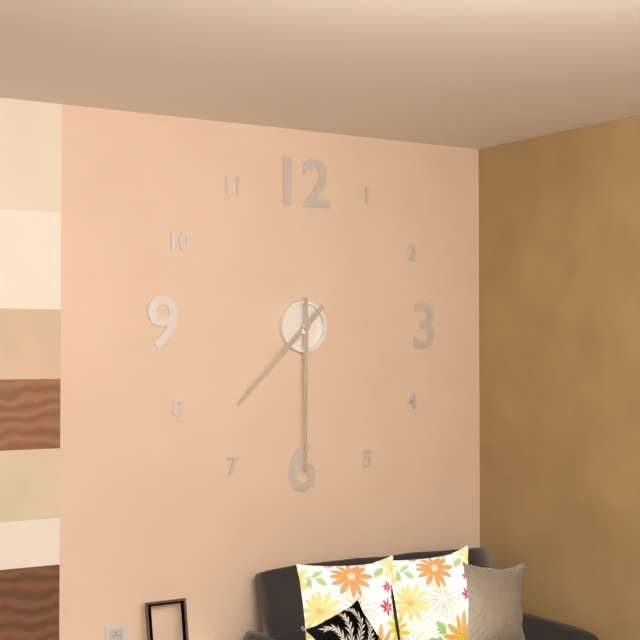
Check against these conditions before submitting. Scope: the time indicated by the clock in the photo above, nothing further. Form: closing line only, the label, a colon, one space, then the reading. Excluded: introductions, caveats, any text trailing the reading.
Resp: 7:30
